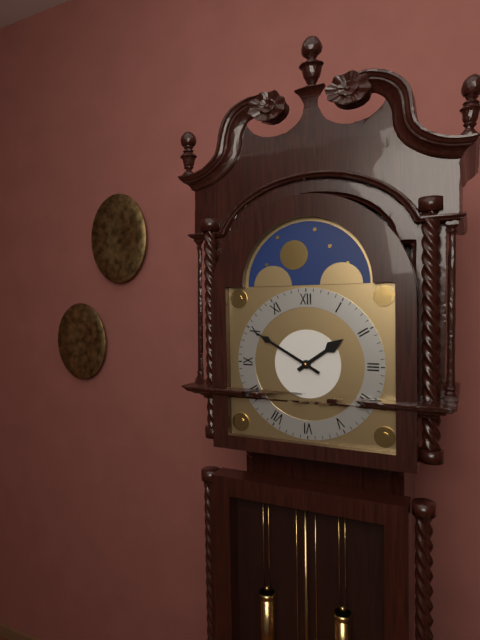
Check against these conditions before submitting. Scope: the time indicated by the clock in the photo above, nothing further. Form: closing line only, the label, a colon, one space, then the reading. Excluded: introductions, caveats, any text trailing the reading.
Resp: 1:50
